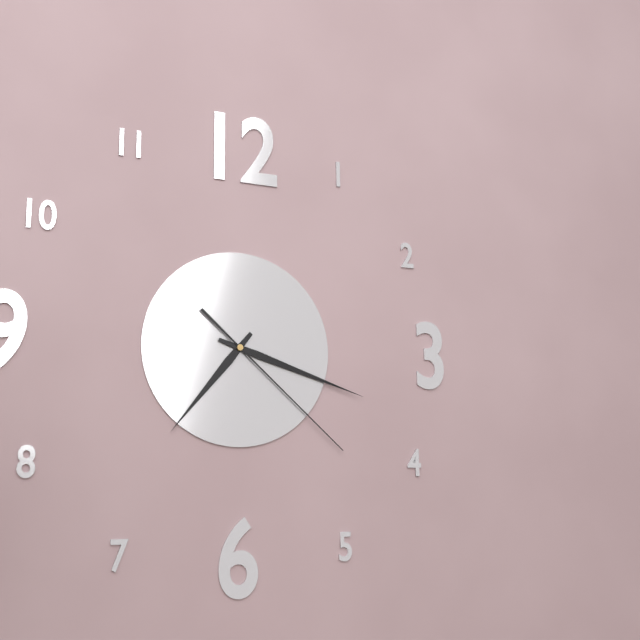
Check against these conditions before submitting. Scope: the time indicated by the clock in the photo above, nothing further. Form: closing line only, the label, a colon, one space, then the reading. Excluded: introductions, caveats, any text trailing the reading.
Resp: 7:18:22
